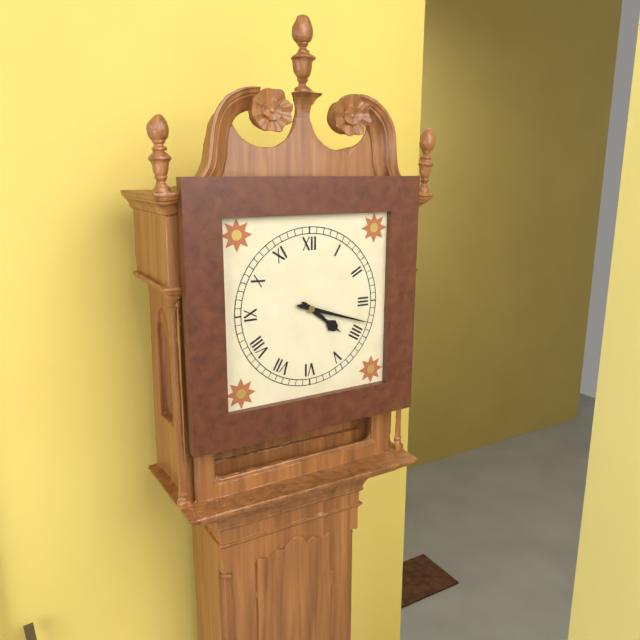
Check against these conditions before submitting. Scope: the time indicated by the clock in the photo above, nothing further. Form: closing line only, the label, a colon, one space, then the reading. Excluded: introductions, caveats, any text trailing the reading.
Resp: 4:18
